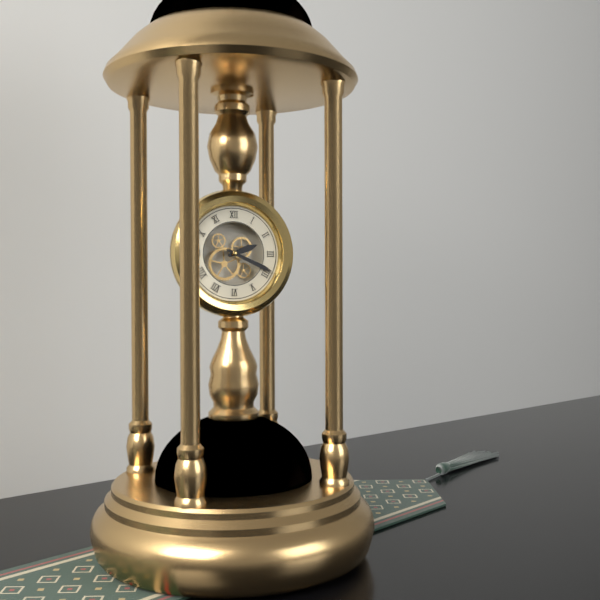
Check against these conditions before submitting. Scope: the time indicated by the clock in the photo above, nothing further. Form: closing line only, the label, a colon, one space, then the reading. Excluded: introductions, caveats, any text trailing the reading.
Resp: 2:19
